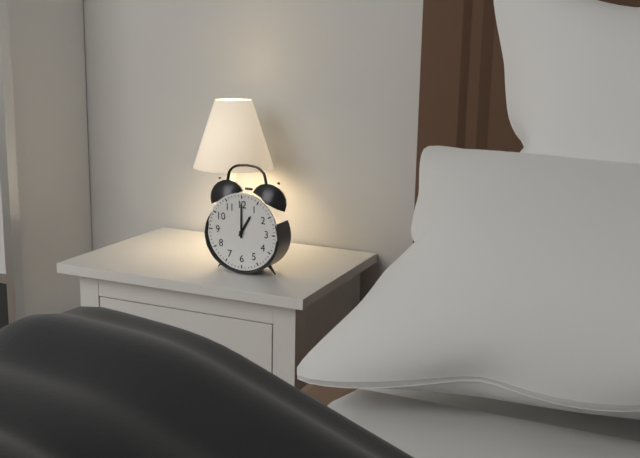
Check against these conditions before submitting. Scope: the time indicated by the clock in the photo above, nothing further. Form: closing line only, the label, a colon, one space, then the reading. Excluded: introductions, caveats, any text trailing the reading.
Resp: 1:00
